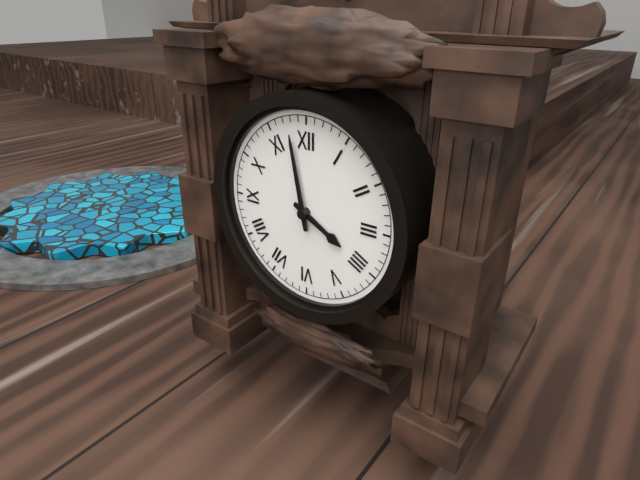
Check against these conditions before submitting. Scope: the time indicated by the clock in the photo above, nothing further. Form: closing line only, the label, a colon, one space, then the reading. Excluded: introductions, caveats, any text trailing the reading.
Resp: 3:58
